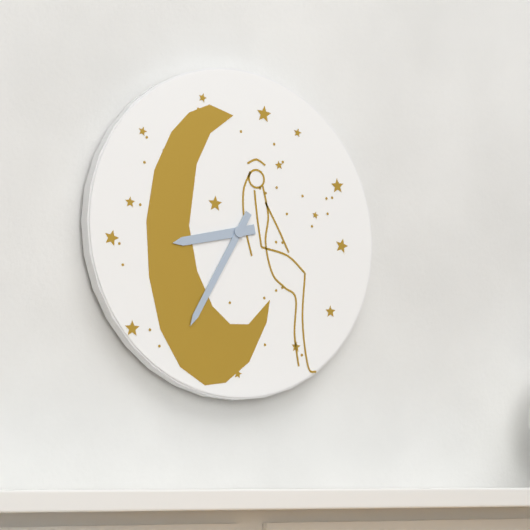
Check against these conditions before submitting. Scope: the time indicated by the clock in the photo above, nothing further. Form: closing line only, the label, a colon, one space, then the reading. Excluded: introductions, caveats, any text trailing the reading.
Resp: 8:35
